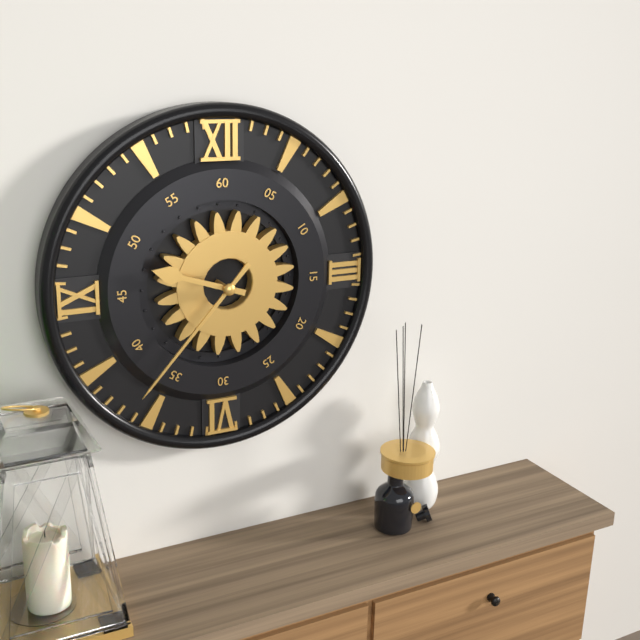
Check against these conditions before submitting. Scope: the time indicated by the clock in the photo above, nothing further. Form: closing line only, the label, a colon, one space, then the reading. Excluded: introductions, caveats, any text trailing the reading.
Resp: 9:37
